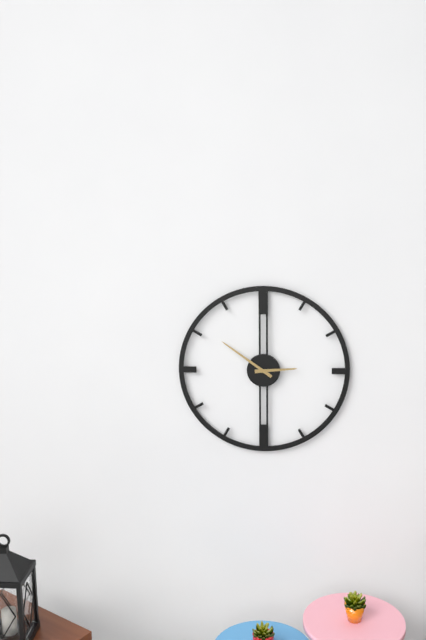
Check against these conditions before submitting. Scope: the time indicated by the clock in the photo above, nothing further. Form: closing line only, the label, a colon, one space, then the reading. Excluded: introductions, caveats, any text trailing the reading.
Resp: 2:51
